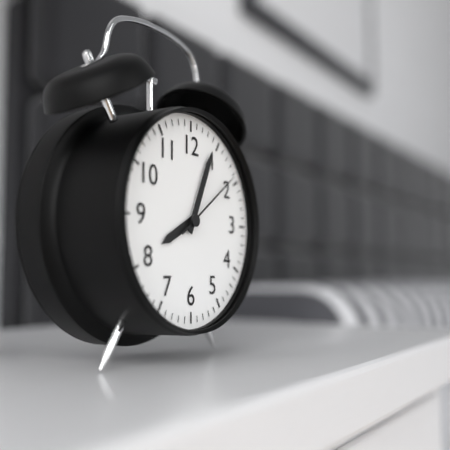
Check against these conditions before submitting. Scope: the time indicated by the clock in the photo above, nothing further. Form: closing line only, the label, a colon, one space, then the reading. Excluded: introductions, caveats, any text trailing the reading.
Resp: 8:04:09
